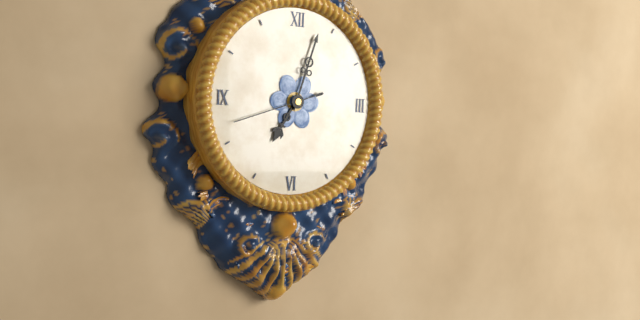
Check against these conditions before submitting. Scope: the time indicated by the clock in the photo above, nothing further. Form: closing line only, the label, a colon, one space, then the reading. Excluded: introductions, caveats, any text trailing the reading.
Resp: 7:03:42
